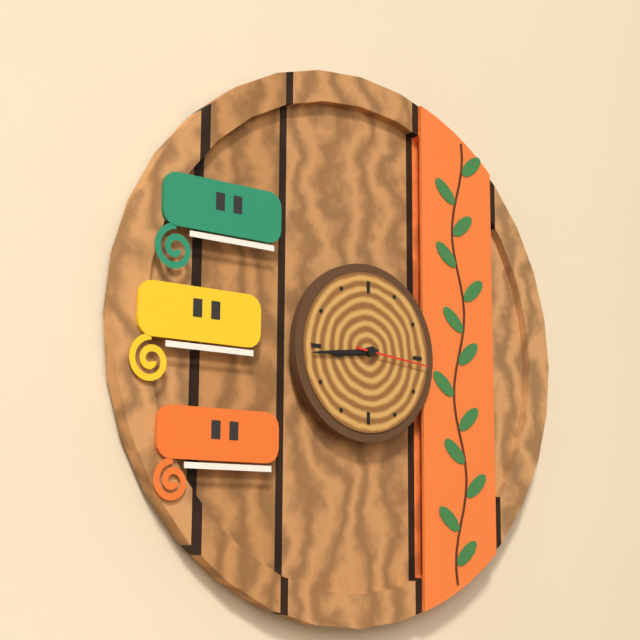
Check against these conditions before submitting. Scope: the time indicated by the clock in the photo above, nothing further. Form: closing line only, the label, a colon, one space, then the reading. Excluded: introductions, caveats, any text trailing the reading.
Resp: 8:44:16
